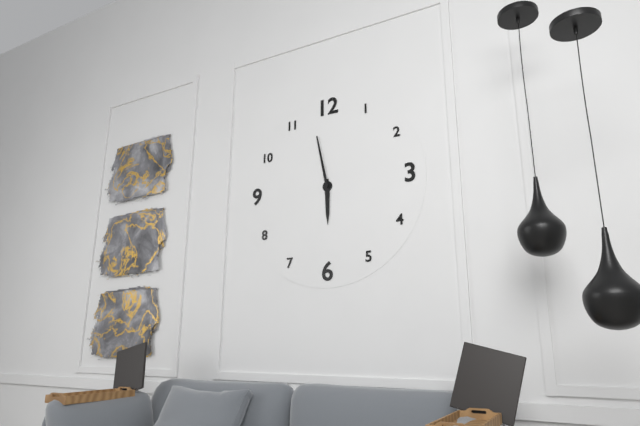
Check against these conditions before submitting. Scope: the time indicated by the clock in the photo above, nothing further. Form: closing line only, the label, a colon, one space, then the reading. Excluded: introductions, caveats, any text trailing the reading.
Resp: 5:58
